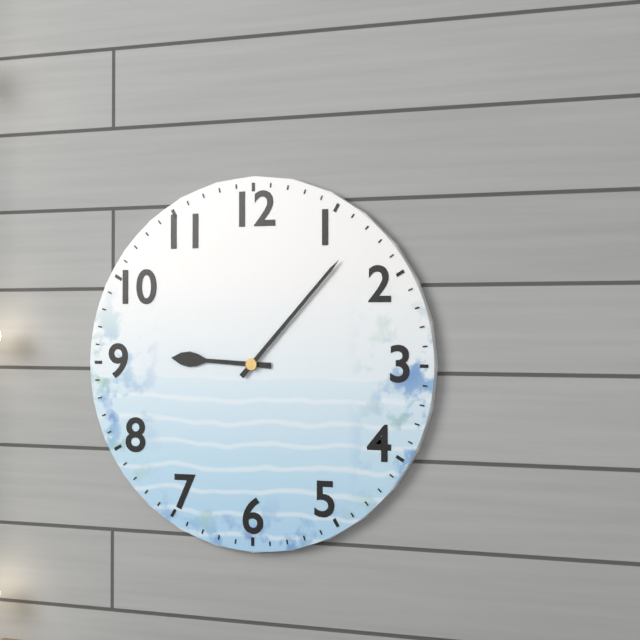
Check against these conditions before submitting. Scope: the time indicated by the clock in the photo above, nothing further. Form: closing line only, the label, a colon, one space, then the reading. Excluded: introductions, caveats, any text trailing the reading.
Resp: 9:07
